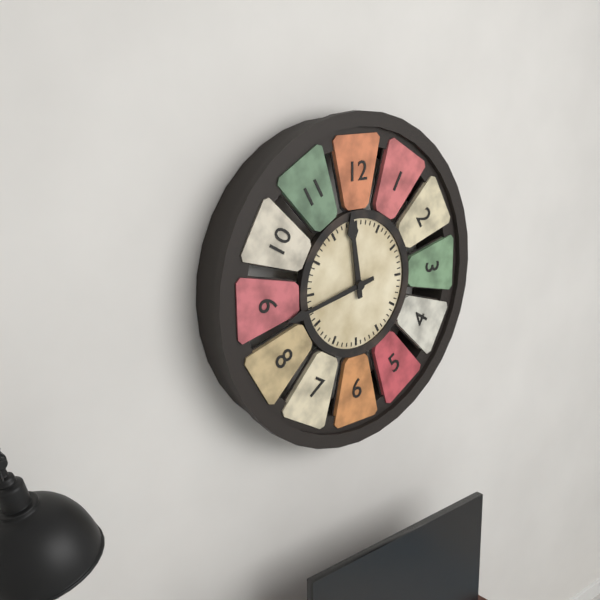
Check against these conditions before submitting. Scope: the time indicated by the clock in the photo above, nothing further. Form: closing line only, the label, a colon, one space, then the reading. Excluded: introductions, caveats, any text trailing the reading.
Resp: 11:43
